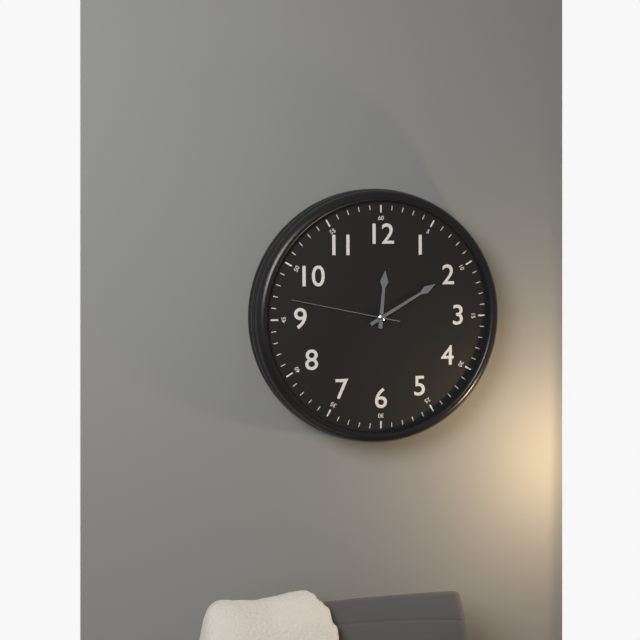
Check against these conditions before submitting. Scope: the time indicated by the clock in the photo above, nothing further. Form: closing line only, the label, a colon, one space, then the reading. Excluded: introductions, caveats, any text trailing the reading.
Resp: 12:10:47
